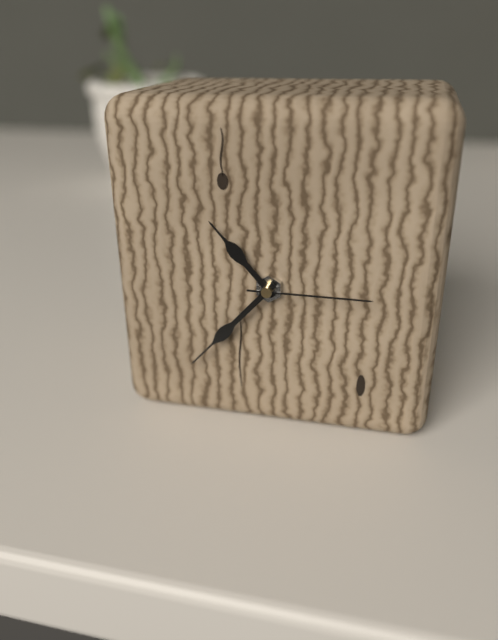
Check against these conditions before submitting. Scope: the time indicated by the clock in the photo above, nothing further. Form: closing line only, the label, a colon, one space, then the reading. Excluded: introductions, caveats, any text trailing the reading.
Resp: 10:37:15
